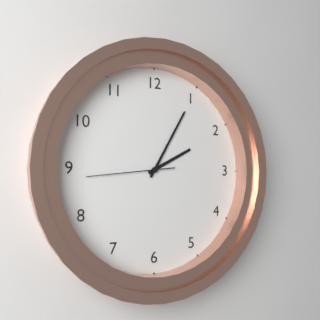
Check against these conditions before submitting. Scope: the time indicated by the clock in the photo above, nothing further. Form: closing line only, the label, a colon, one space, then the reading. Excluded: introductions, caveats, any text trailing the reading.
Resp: 2:05:44
